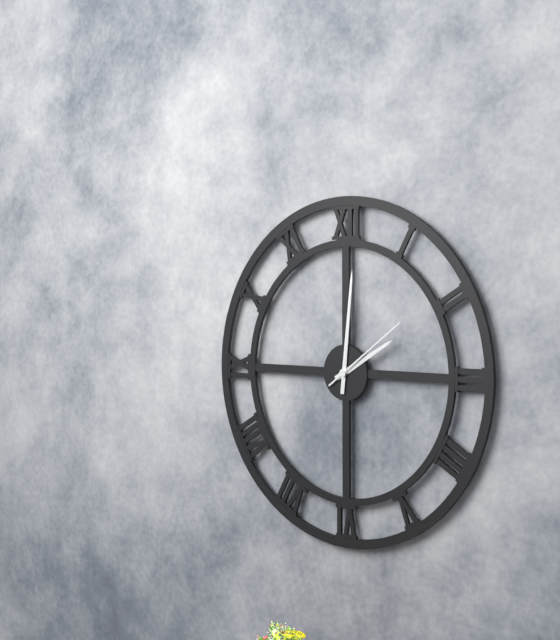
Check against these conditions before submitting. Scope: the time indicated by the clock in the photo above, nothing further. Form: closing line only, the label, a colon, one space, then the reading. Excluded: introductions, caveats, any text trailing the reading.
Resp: 2:01:09
